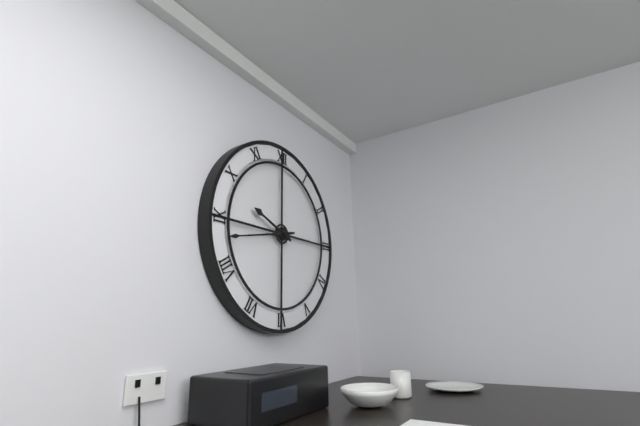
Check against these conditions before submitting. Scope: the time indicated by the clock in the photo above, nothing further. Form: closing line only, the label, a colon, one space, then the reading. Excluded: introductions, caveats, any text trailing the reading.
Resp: 9:43
